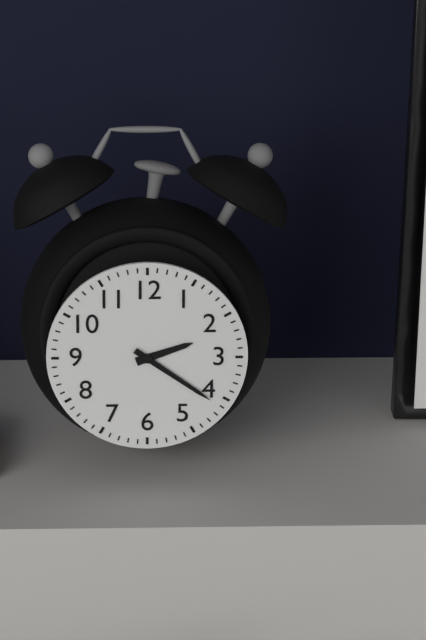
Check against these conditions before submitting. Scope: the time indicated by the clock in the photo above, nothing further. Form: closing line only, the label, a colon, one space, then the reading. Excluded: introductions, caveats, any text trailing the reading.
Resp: 2:21
